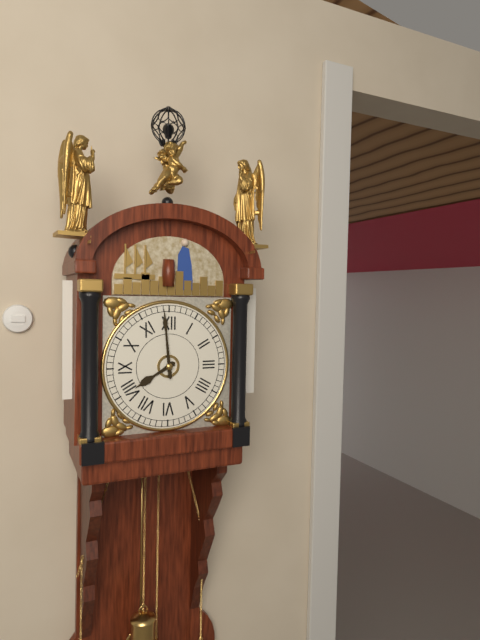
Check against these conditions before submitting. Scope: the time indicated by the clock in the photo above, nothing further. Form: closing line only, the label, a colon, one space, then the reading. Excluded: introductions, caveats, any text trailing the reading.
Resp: 7:59
